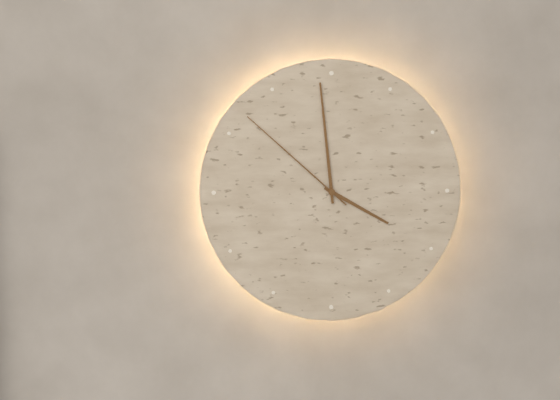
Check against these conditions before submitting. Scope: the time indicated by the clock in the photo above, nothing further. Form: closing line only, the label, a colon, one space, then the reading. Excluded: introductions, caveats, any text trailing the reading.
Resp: 3:59:52
